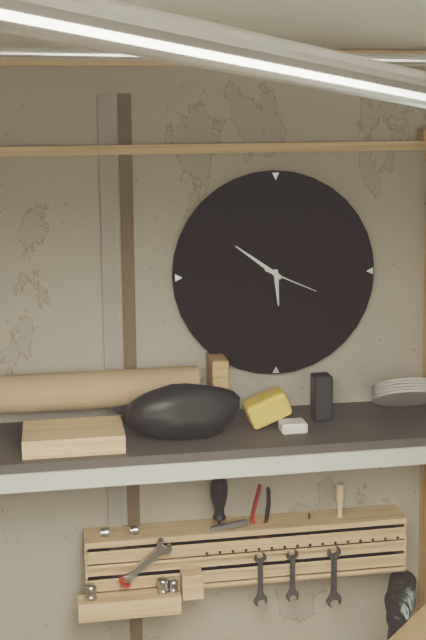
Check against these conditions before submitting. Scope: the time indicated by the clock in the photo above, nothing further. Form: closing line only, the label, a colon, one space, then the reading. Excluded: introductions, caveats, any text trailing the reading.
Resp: 5:51:19
